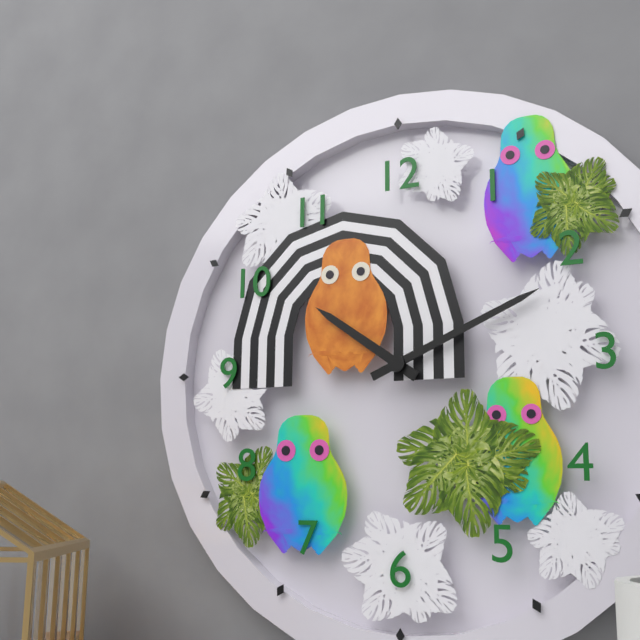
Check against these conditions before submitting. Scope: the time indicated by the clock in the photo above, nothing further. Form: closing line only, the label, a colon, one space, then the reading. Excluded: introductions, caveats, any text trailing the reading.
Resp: 10:11
